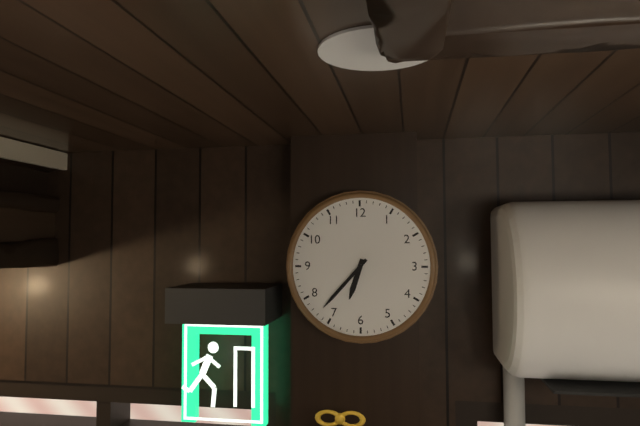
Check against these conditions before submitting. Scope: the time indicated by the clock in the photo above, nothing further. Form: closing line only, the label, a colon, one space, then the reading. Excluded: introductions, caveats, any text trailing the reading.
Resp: 6:37
